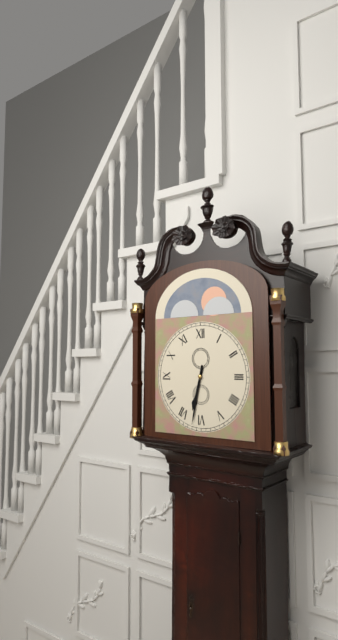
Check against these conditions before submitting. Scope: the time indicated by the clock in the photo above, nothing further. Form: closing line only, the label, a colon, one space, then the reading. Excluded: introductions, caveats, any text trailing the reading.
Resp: 6:32
